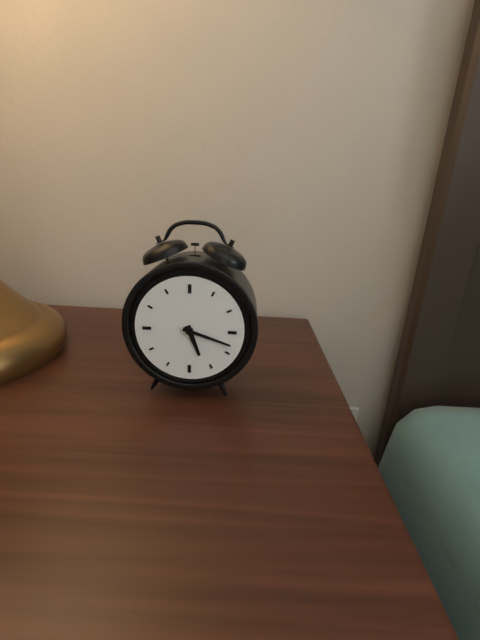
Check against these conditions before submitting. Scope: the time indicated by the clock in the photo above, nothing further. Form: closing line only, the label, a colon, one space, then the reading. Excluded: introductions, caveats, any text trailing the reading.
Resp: 5:18
